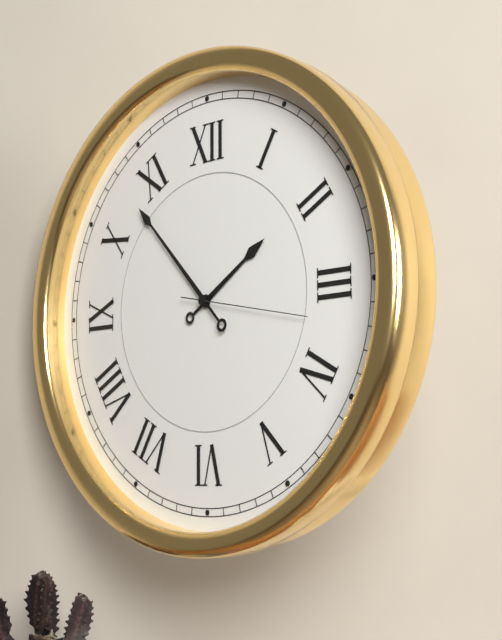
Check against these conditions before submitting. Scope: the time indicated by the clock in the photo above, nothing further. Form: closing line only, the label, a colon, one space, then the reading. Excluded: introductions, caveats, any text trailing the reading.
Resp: 1:53:17
